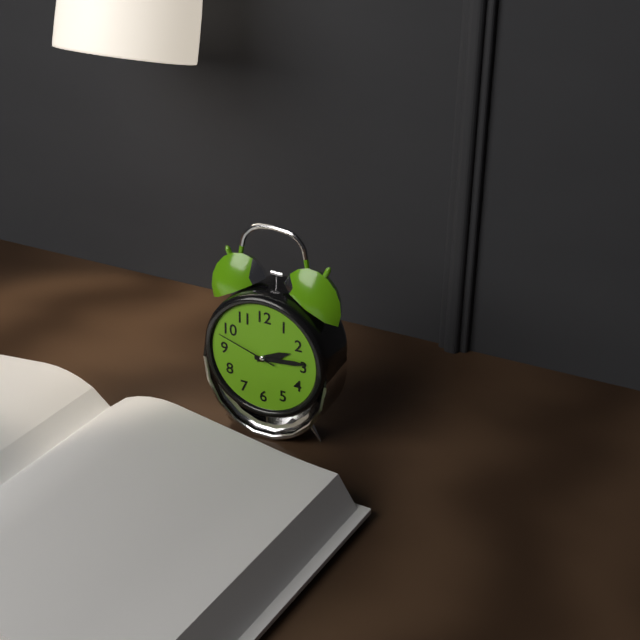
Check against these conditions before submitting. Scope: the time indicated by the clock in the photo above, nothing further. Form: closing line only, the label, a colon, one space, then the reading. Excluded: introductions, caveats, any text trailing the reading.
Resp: 2:14:48
